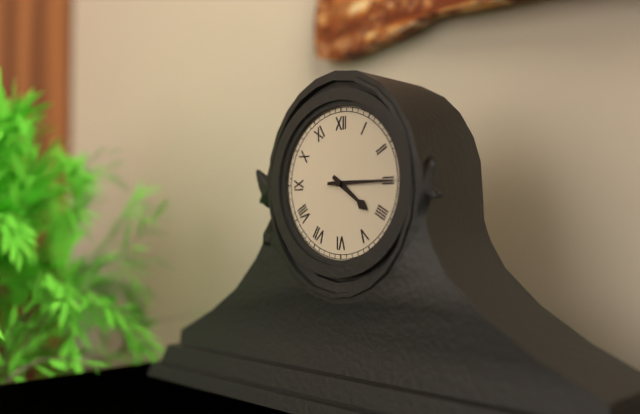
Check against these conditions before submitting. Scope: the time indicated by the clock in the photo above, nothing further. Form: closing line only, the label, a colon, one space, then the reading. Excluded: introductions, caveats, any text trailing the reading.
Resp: 4:15
